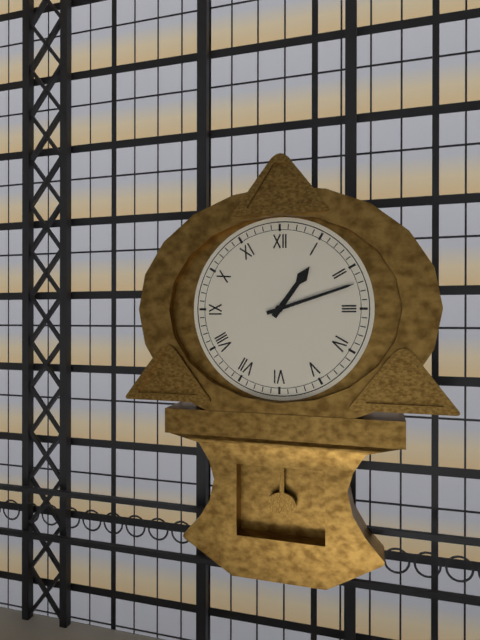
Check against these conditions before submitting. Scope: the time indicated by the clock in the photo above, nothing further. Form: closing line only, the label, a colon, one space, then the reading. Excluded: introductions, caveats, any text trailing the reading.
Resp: 1:12
